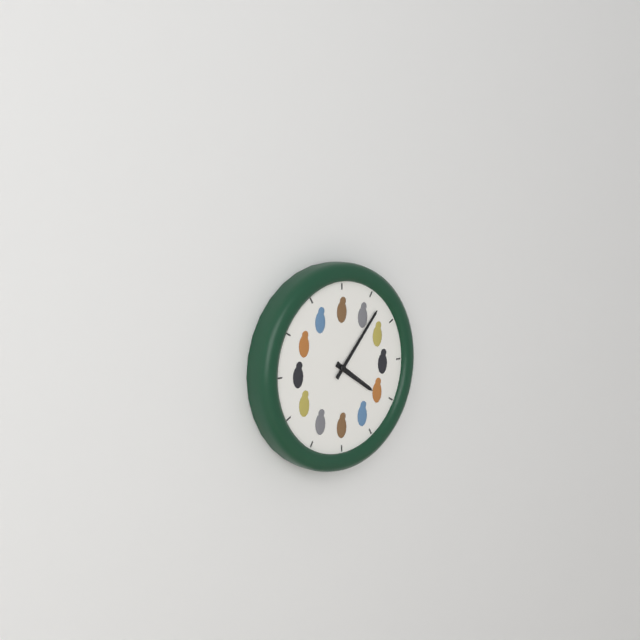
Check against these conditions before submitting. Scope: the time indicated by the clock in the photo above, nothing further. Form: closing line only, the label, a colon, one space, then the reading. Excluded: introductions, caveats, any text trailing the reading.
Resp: 4:07
